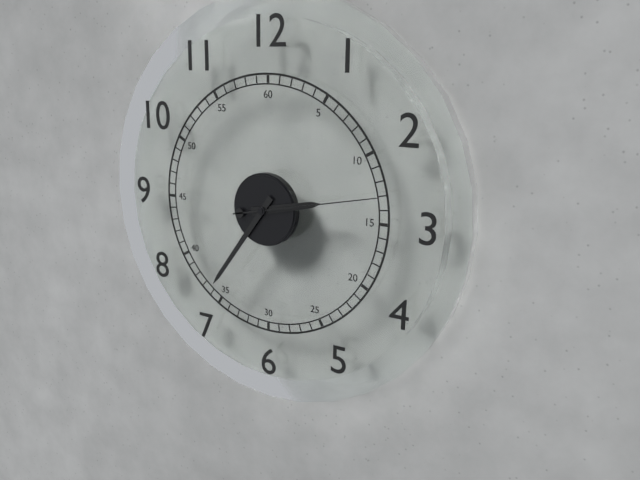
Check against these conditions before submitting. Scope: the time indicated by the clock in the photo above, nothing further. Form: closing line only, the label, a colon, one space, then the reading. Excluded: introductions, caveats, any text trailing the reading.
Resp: 2:36:13
